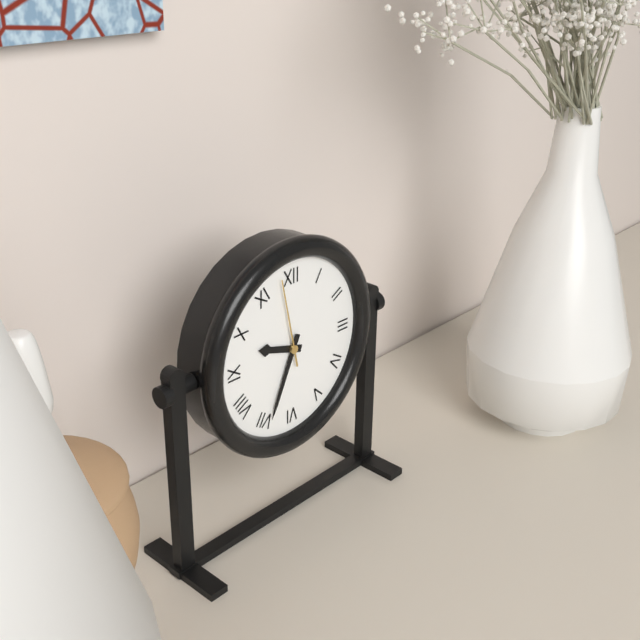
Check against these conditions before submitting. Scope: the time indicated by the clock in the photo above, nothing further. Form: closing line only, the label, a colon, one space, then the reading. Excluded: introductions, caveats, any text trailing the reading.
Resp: 9:34:58
